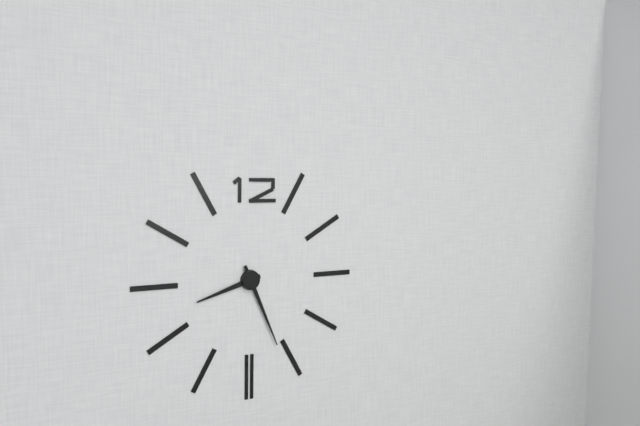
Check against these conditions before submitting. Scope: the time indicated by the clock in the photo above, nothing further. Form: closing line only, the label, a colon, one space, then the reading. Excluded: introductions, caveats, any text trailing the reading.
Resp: 8:26
